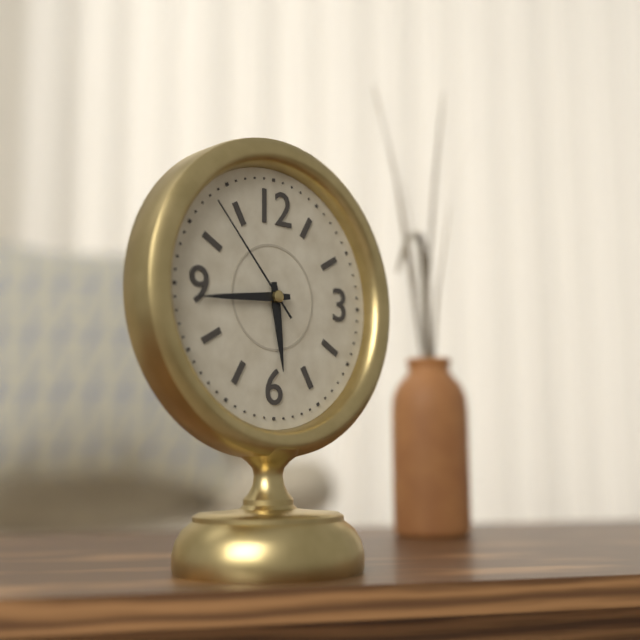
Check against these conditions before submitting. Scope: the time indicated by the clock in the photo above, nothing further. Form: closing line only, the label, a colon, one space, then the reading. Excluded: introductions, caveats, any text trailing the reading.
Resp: 5:44:53
